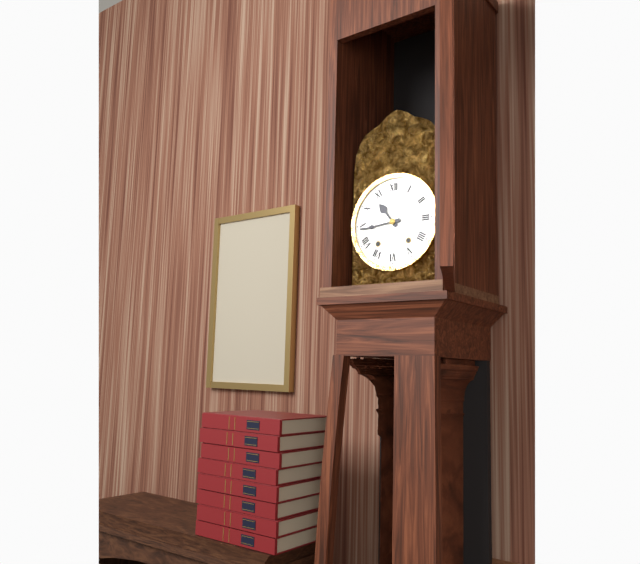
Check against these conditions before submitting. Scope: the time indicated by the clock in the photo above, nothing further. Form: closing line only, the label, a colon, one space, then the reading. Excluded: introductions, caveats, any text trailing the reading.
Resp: 10:44
